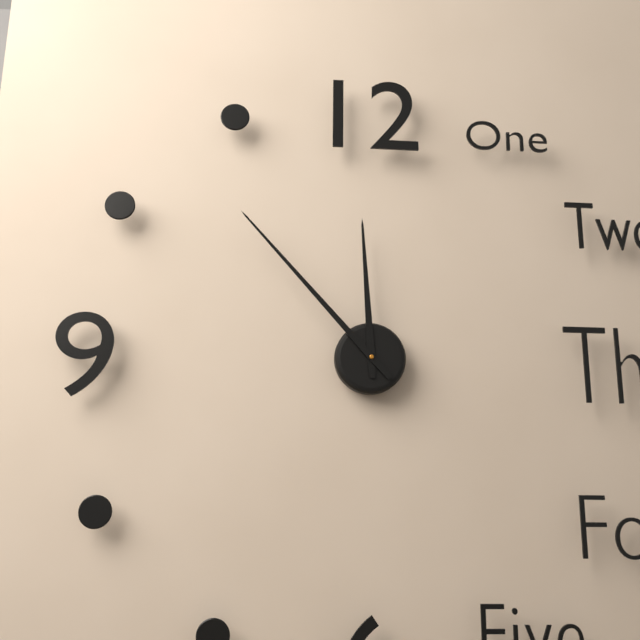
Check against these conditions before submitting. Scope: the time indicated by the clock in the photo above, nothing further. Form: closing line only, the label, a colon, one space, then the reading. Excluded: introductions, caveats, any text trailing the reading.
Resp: 11:53
